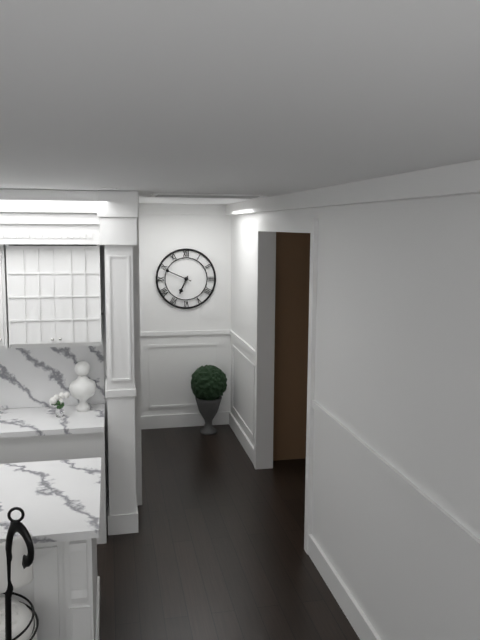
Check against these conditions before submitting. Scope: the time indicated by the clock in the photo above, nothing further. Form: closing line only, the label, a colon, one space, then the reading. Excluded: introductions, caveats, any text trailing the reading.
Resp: 6:49
